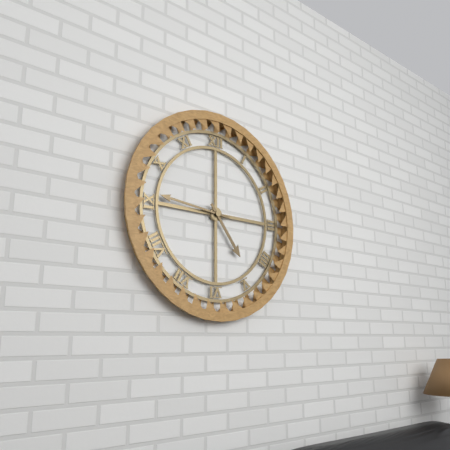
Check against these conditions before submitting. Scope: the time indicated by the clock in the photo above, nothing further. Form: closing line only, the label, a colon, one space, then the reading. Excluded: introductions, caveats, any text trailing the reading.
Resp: 4:46
